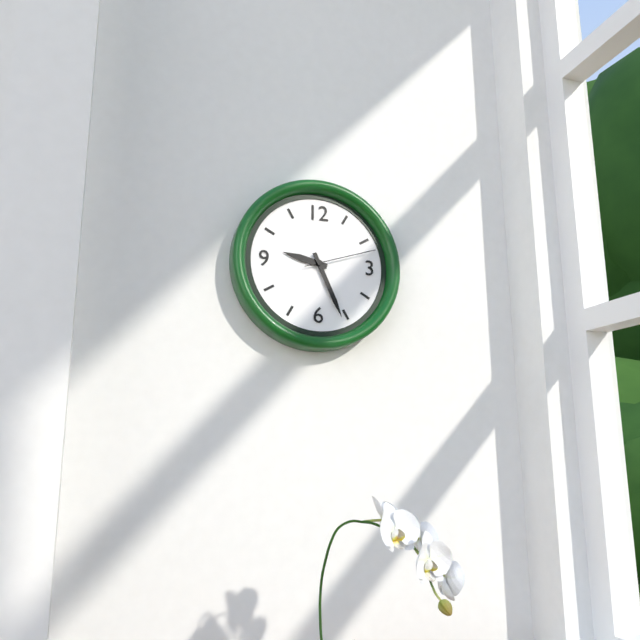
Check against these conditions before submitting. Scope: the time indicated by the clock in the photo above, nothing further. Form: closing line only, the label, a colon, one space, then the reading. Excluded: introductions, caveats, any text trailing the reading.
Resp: 9:26:12
